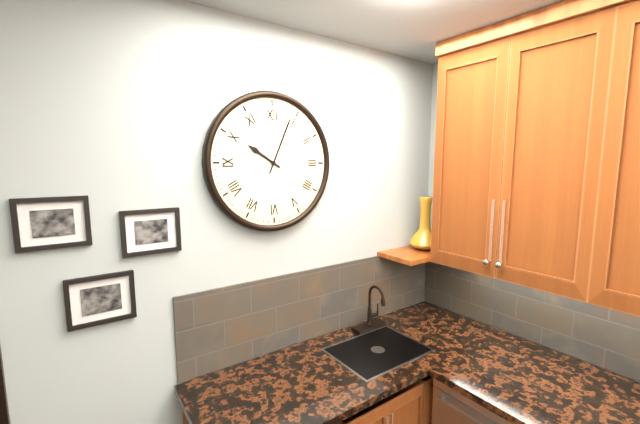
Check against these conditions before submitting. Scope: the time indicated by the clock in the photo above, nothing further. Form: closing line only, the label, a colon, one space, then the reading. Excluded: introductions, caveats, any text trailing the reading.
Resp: 10:04
